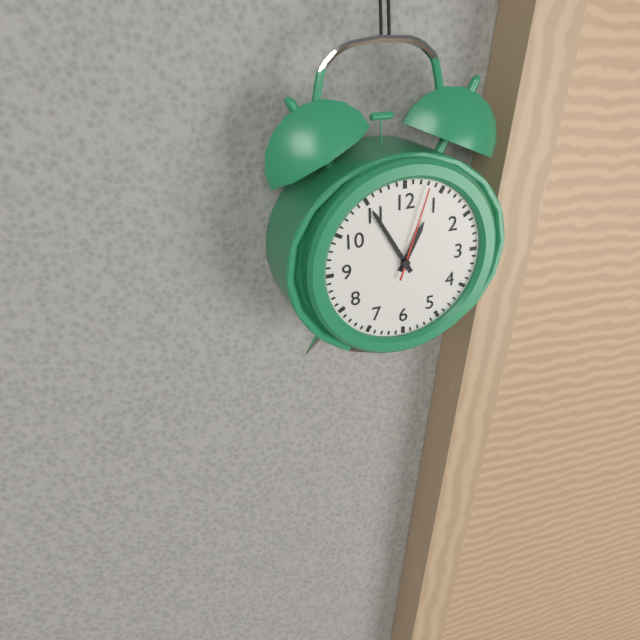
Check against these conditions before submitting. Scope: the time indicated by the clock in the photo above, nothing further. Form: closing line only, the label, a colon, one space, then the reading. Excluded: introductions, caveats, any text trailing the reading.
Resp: 12:55:03
